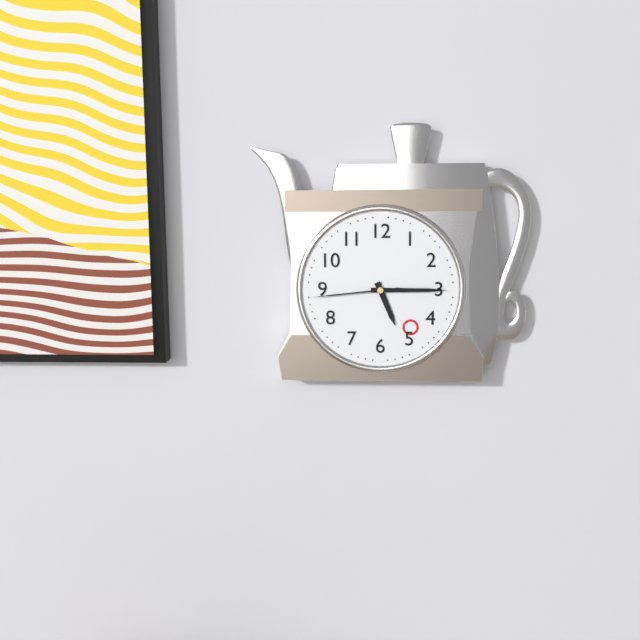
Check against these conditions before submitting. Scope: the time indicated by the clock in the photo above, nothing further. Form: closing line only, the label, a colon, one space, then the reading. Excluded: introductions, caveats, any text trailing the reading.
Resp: 5:15:44
